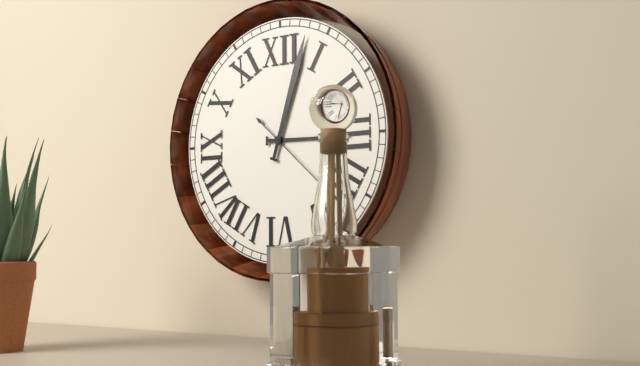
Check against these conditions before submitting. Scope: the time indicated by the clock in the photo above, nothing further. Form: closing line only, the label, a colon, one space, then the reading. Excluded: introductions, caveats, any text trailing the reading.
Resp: 3:03:22
